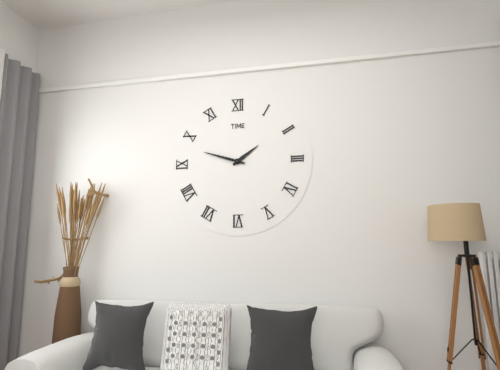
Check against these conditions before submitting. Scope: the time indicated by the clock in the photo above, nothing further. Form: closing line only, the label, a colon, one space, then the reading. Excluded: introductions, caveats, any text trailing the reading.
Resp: 1:48
